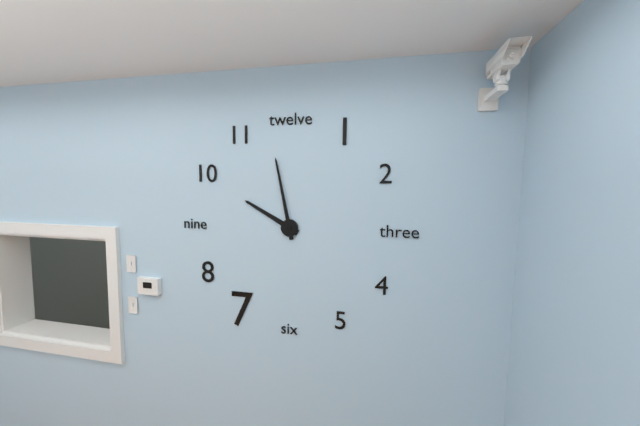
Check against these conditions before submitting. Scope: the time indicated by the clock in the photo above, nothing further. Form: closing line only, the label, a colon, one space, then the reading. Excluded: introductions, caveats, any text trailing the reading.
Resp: 9:58
